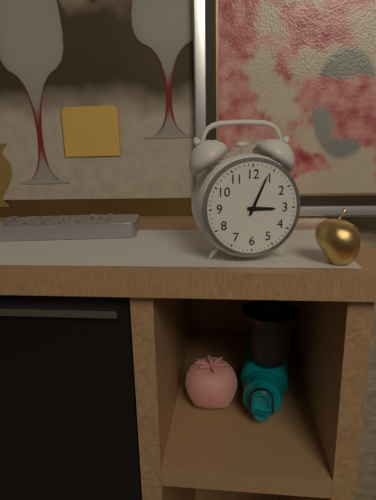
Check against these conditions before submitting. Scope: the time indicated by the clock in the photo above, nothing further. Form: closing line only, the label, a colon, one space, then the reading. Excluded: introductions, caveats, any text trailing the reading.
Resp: 3:04
